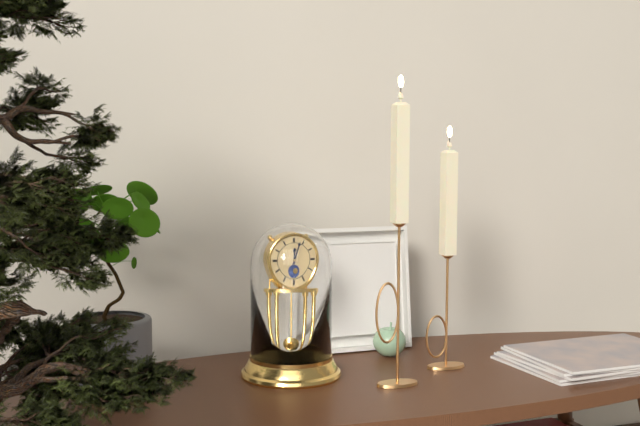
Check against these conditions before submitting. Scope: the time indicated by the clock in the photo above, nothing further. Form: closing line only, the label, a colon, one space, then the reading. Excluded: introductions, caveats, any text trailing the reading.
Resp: 12:03
